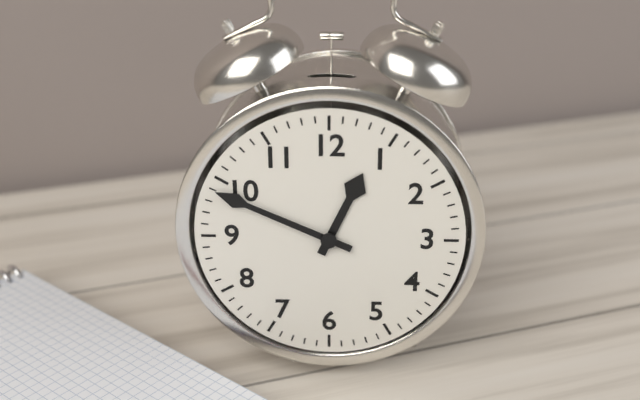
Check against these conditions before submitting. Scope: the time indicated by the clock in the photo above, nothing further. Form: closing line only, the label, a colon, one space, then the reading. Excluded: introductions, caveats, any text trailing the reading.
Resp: 12:49
